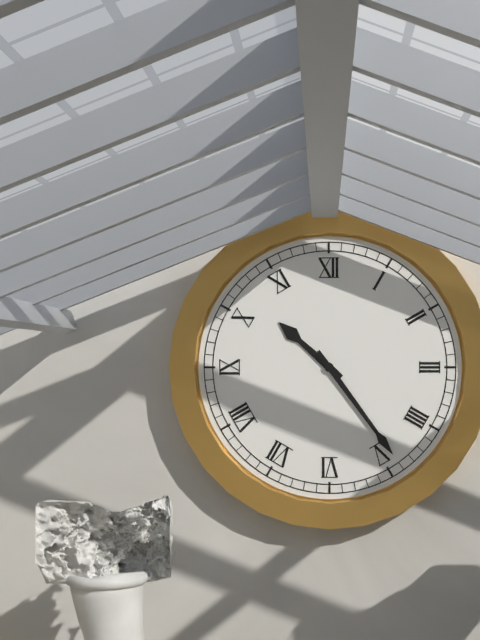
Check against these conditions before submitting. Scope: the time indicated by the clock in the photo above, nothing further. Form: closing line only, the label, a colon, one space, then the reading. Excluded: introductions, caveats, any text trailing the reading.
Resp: 10:24
